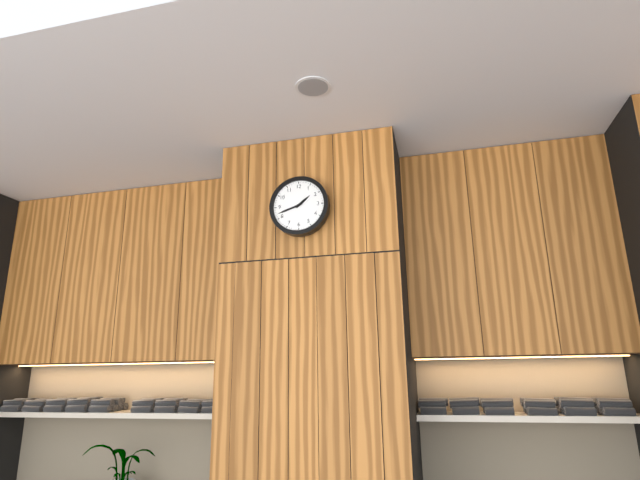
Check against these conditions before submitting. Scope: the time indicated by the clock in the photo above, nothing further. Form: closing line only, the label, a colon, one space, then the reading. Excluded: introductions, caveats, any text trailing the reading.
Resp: 1:42
